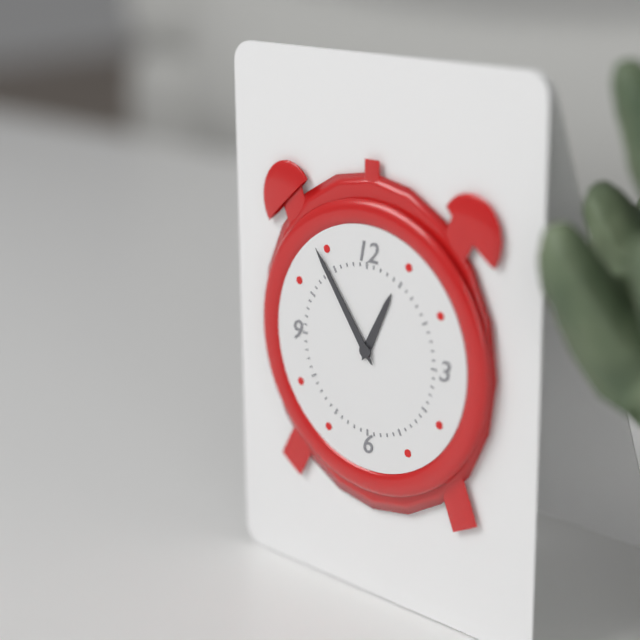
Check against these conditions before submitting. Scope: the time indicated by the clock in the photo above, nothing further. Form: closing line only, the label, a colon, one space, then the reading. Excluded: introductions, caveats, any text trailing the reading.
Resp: 12:54
